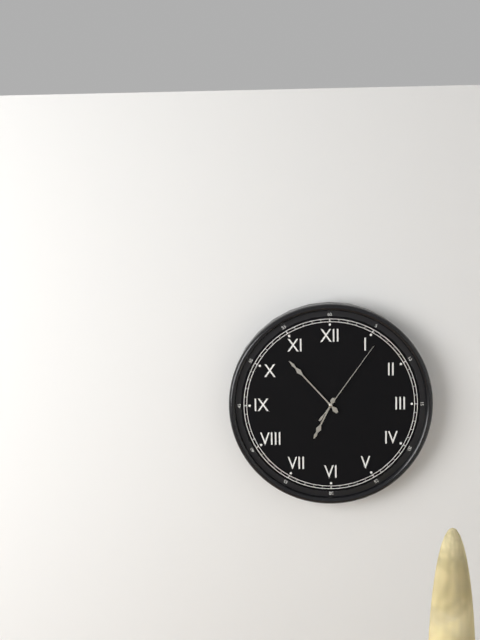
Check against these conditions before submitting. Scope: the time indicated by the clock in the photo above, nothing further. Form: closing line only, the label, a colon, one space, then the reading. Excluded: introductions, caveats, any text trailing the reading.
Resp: 6:53:06
